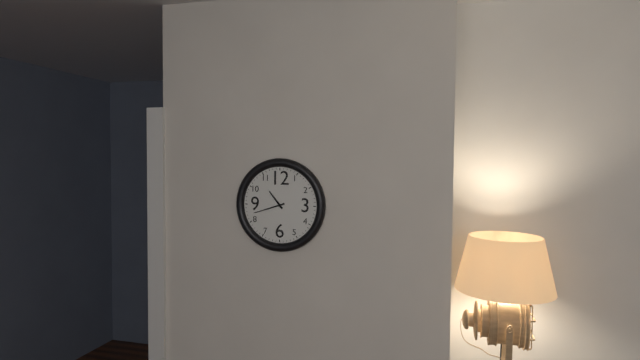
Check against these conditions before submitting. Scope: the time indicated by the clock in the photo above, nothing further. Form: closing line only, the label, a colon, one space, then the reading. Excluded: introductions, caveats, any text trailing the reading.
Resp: 10:42
